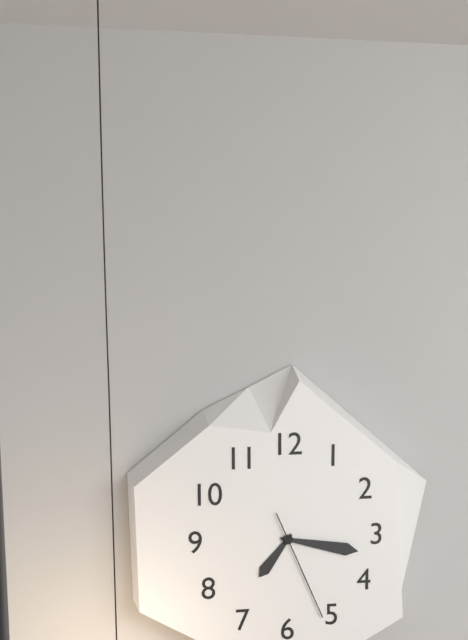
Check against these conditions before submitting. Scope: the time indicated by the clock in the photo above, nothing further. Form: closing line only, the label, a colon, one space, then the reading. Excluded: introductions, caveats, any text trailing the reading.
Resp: 7:17:26
